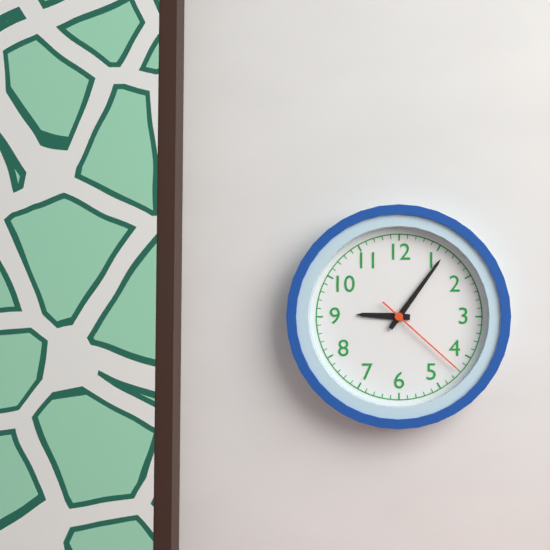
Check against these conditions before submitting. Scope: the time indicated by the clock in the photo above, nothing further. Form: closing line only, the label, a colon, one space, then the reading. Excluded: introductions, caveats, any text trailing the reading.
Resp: 9:06:22
